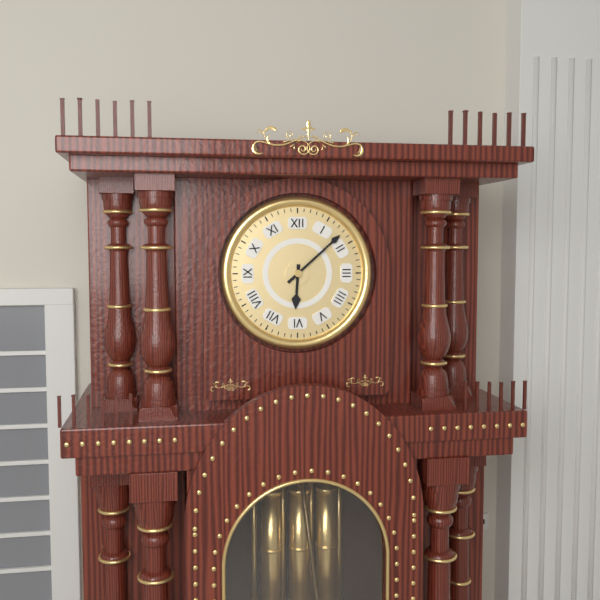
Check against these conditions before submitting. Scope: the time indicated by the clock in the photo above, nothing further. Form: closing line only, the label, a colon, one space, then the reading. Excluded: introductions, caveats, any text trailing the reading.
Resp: 6:08
